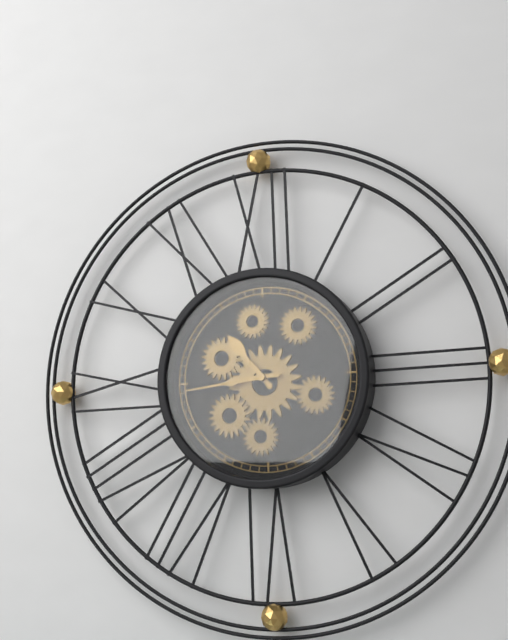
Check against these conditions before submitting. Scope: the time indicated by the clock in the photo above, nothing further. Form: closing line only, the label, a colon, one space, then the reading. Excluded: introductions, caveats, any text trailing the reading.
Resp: 10:44
